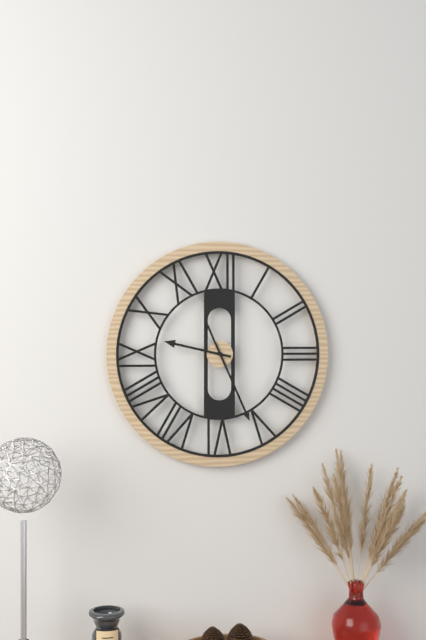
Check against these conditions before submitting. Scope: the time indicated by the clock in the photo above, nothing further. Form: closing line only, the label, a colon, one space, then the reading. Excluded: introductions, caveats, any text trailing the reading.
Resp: 9:26
